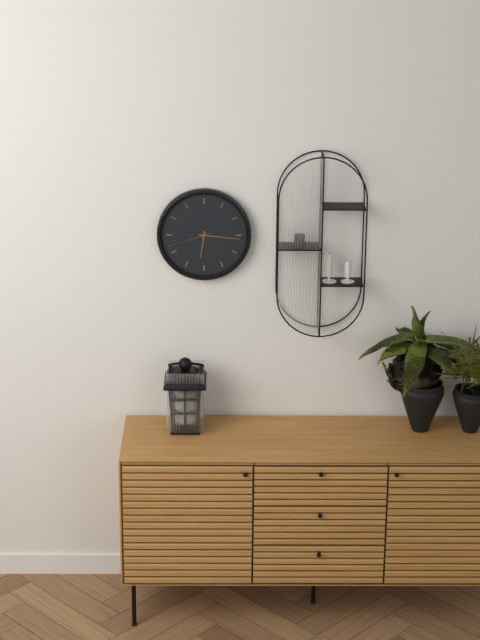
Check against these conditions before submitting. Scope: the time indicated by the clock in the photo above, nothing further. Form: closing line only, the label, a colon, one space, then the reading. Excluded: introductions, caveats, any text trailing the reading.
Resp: 6:16
